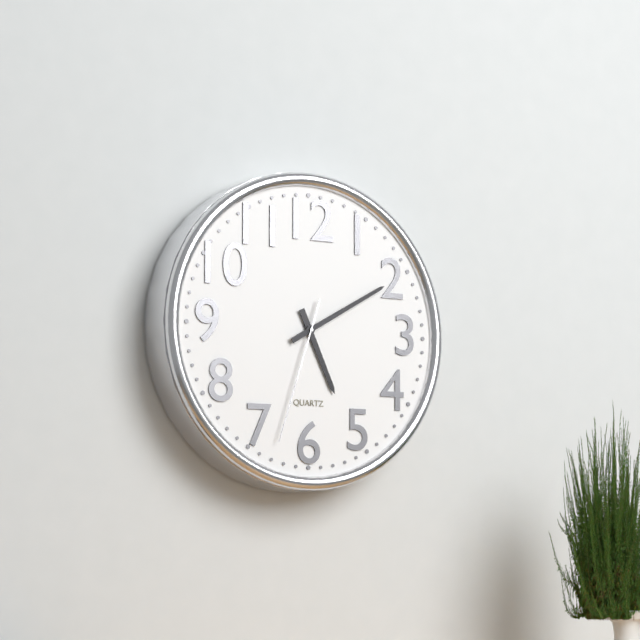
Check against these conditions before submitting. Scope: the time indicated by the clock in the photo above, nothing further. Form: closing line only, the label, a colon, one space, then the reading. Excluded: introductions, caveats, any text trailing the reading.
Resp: 5:10:33
